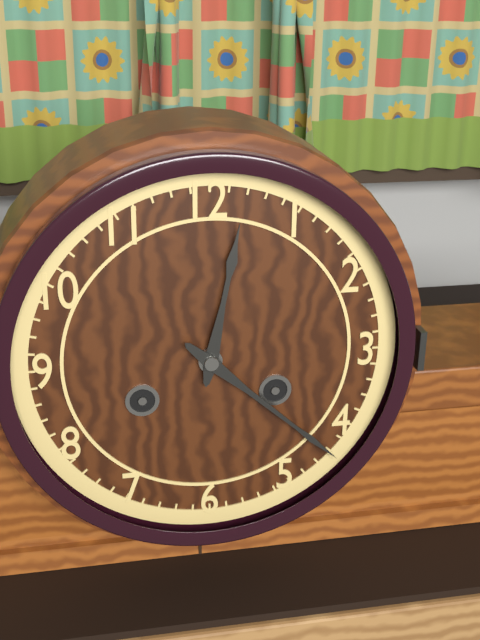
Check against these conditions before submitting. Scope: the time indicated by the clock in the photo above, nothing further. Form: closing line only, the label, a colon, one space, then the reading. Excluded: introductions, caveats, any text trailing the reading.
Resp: 12:22
